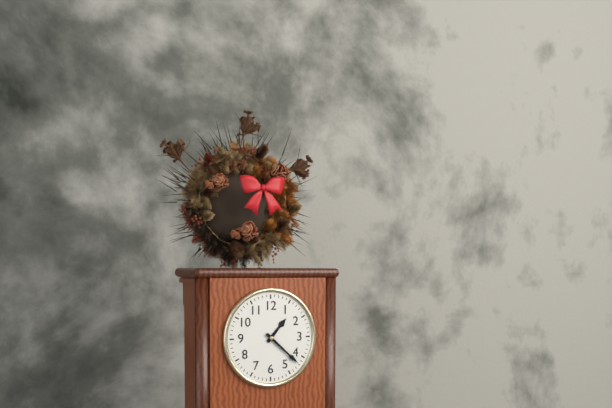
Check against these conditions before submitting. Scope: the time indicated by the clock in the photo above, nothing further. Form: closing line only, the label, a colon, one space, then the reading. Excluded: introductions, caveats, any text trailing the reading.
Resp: 1:22
